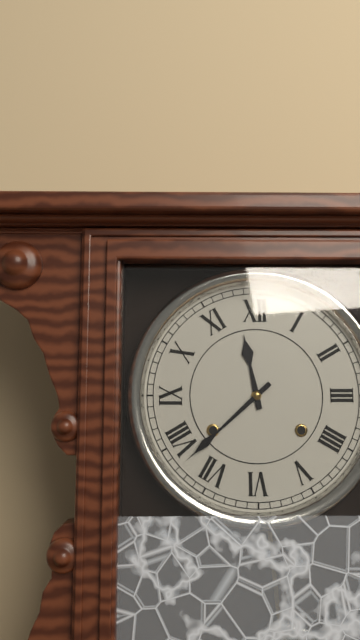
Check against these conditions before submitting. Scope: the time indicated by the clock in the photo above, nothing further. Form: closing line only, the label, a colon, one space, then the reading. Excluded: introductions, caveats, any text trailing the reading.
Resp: 11:38
